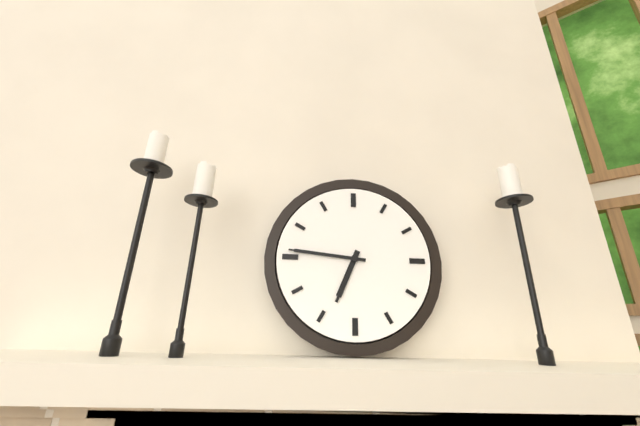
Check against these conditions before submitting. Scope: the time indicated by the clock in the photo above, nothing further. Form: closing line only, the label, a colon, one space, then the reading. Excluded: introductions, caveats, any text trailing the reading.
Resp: 6:46
